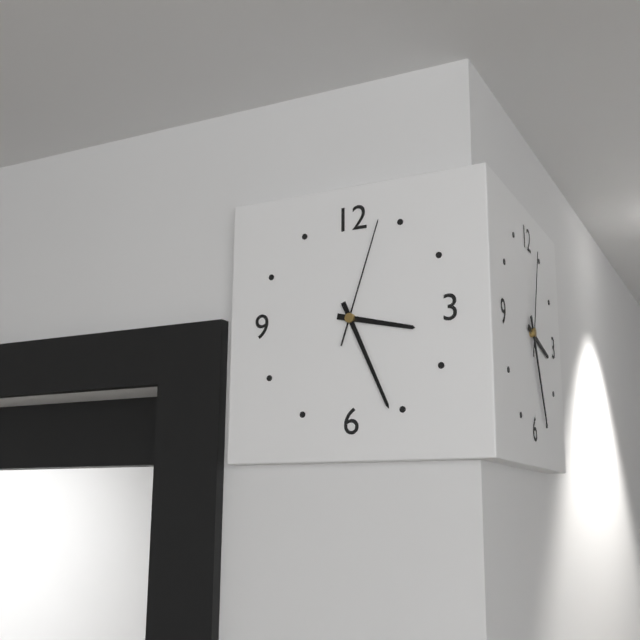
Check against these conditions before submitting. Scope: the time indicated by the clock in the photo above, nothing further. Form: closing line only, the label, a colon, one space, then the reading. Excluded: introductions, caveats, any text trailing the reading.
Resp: 3:26:03
